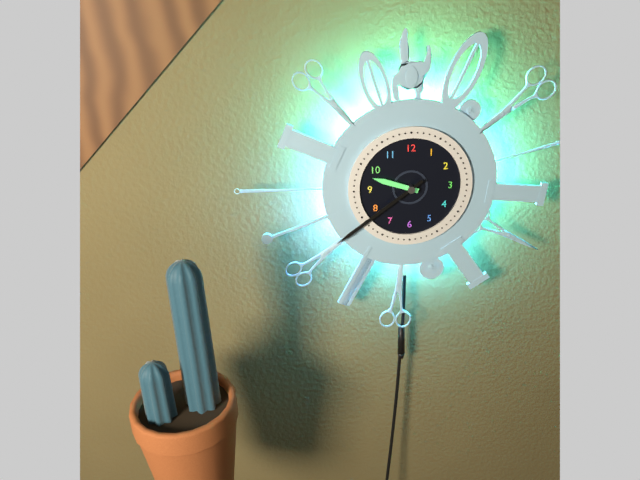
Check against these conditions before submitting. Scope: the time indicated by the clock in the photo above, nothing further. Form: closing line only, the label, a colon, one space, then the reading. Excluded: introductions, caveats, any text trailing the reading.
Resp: 9:39
